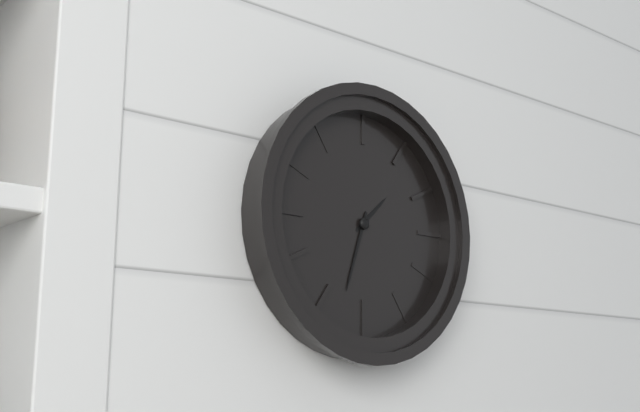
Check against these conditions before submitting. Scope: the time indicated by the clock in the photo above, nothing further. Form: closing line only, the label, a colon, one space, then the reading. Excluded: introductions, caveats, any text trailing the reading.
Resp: 1:33
